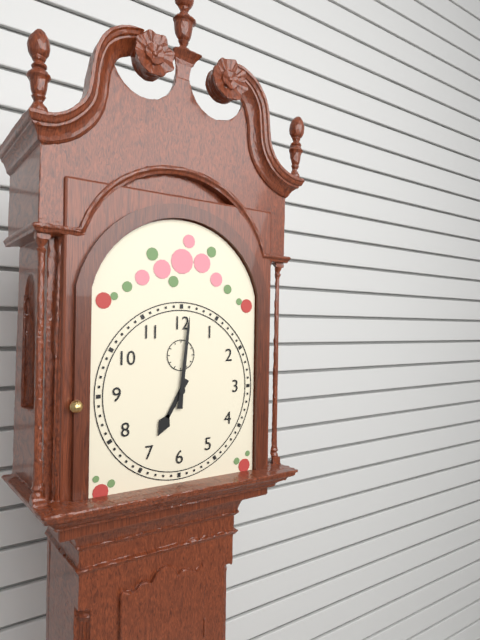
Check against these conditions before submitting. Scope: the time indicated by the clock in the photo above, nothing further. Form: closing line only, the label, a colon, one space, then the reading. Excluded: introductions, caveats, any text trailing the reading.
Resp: 7:01
